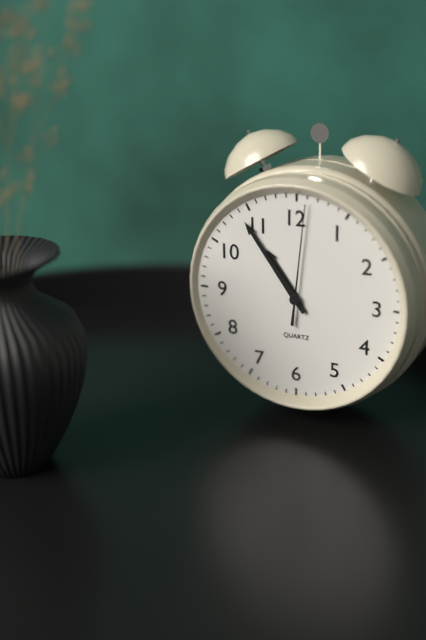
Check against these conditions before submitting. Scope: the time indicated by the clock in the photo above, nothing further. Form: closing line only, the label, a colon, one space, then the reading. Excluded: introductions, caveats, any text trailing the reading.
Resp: 10:54:01
